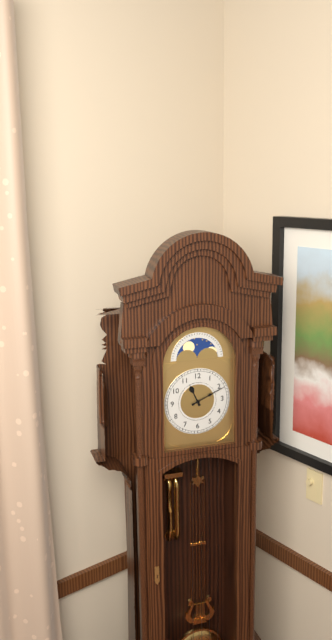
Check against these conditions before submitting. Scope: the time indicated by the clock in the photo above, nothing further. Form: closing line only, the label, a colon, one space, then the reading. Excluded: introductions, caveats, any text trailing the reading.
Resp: 11:11
